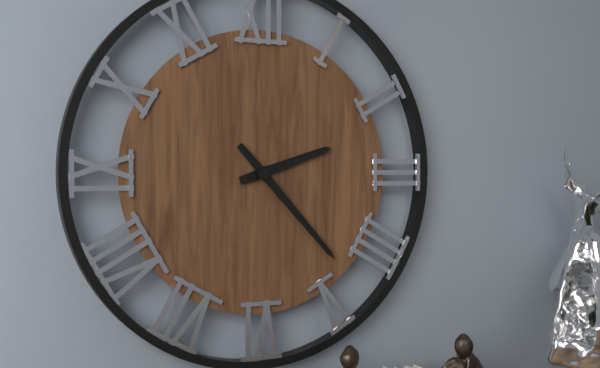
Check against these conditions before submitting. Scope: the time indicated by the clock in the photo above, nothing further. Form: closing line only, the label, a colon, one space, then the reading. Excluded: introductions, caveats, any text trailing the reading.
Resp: 2:23
